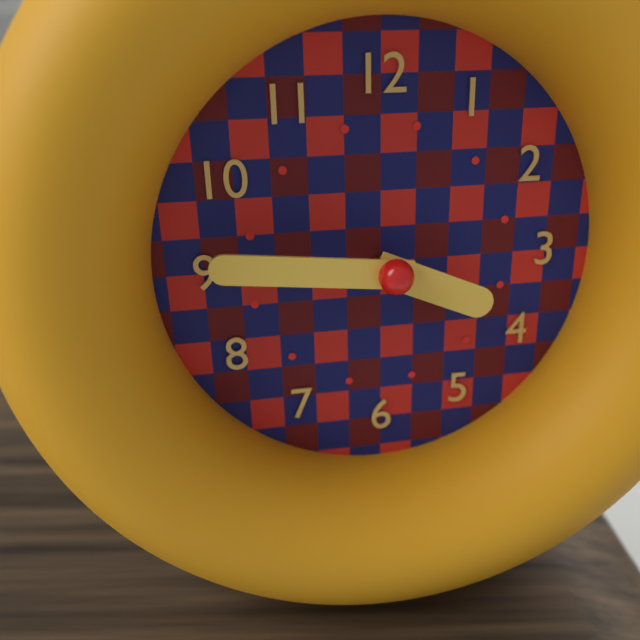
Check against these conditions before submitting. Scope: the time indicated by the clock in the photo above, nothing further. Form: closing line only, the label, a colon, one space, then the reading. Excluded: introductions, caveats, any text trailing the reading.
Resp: 3:46
